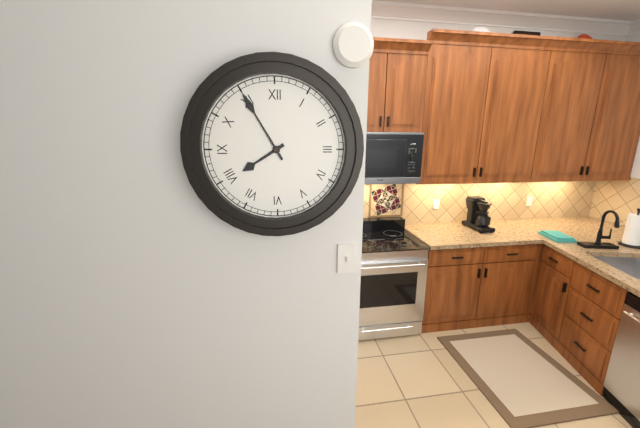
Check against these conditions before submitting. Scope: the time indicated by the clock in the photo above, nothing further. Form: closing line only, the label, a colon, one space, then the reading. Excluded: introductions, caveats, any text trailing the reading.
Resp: 7:55
